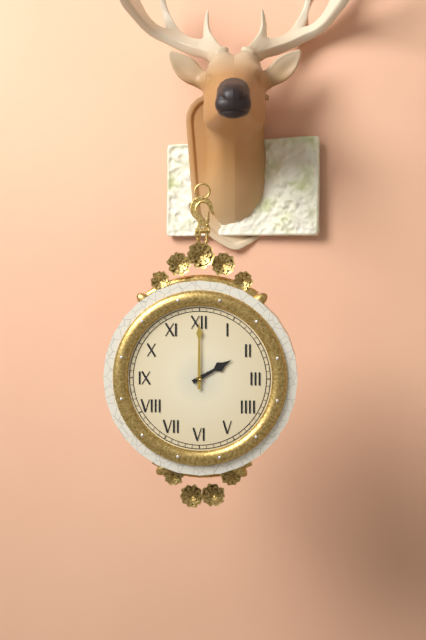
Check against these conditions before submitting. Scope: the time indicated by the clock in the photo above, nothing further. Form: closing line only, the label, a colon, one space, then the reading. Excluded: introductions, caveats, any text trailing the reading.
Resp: 2:00
